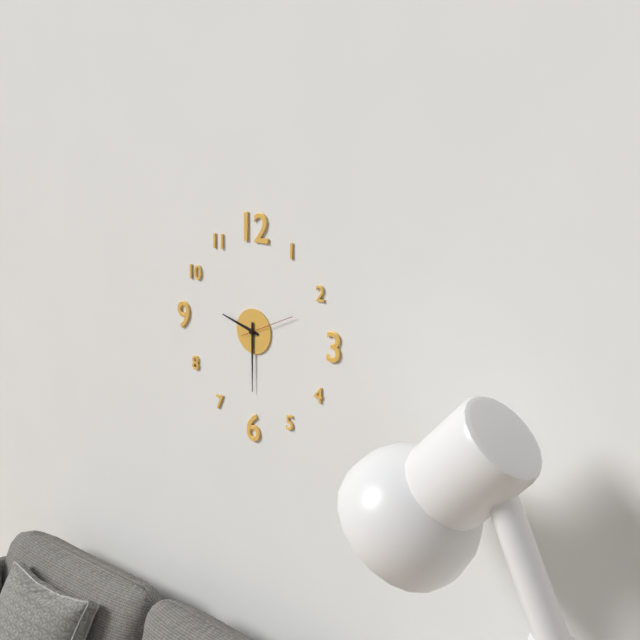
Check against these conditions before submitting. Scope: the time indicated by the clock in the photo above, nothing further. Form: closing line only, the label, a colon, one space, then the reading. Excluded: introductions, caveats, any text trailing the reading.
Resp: 9:30:11
